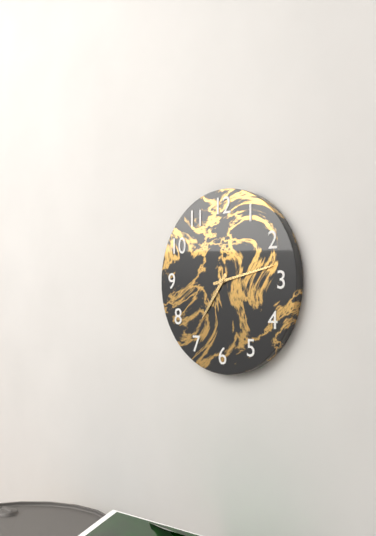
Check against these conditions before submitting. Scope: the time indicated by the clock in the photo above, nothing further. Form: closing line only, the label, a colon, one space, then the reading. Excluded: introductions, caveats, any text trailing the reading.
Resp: 7:13
